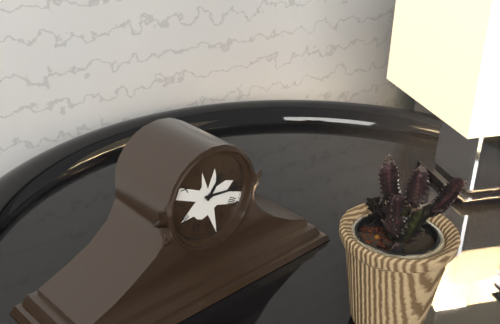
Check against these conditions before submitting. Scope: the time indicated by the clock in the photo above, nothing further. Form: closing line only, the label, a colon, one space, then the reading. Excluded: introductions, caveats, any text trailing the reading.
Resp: 1:16
